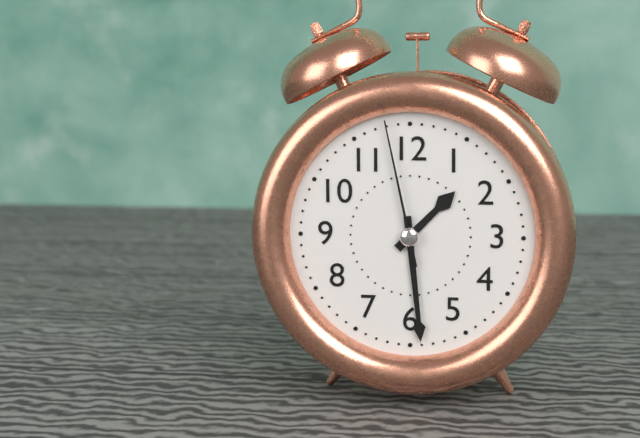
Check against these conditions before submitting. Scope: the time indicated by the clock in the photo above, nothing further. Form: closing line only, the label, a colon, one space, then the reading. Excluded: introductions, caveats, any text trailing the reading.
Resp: 1:29:58
